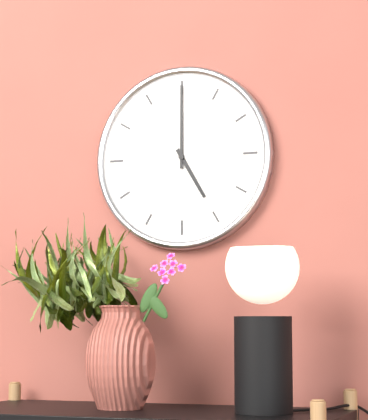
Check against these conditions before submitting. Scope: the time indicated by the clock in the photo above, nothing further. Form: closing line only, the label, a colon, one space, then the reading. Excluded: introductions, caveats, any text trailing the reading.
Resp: 5:00
